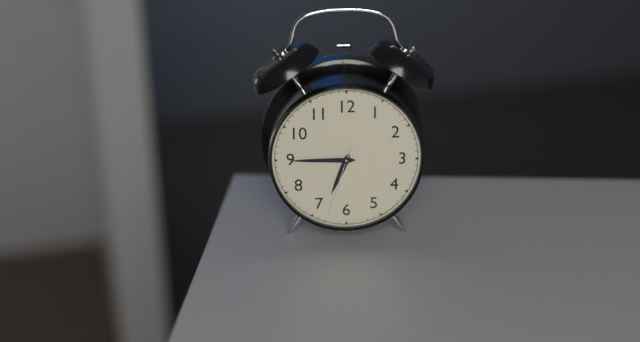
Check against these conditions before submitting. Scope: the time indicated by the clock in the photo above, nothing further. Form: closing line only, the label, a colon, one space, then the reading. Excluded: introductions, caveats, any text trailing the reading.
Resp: 6:45:33
